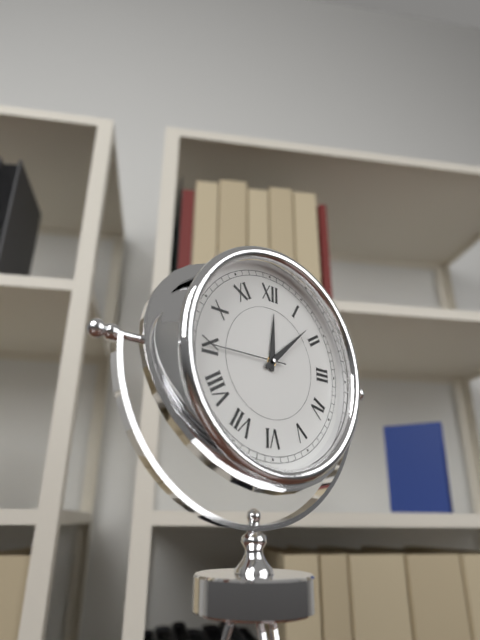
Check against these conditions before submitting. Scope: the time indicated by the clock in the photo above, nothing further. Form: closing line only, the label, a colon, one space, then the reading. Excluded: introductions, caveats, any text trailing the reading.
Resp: 12:08:45
